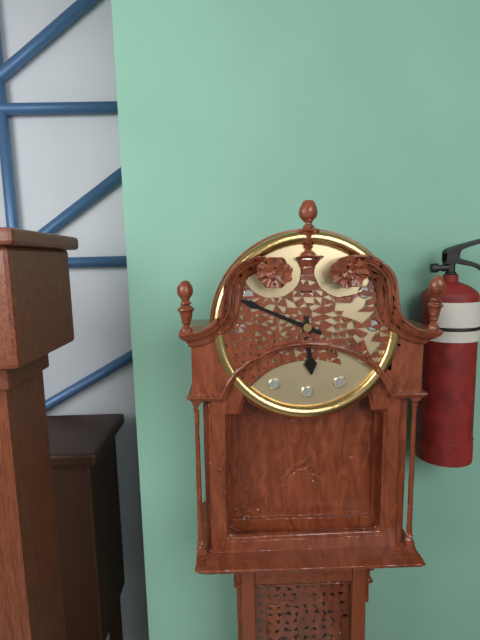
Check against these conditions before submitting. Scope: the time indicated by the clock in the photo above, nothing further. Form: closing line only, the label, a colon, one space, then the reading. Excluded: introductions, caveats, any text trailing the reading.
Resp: 5:49
